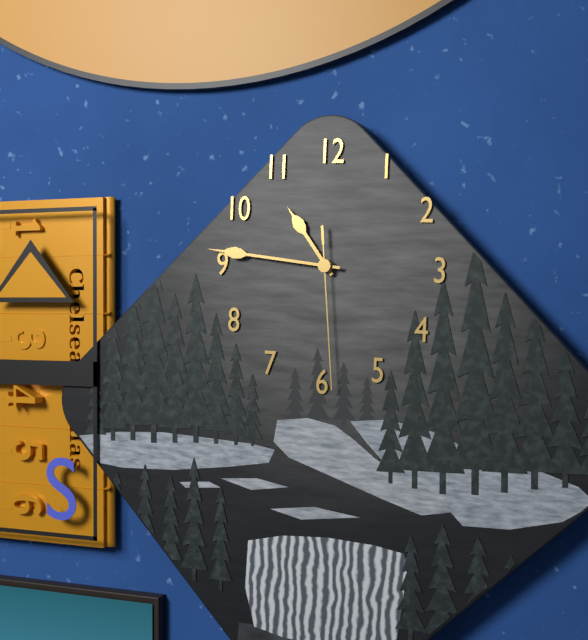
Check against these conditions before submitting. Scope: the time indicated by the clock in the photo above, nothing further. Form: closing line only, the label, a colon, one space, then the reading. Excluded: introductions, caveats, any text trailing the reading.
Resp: 10:46:29
